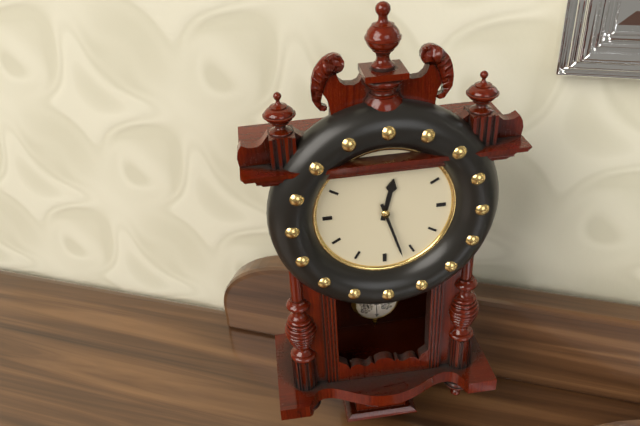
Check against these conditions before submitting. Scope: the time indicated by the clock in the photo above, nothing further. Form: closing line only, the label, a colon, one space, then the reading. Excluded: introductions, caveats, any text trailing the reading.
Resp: 12:27
